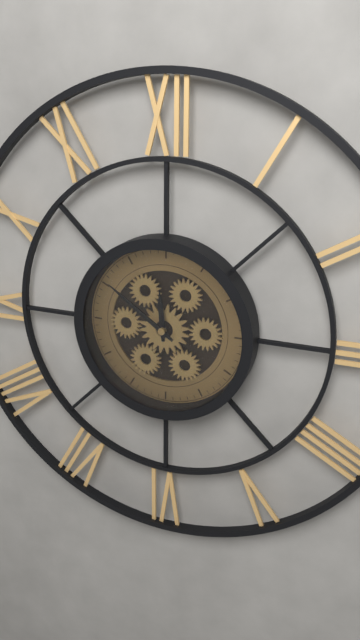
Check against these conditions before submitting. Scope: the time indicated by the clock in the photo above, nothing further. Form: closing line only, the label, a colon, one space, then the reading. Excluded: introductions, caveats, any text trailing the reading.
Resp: 11:51
